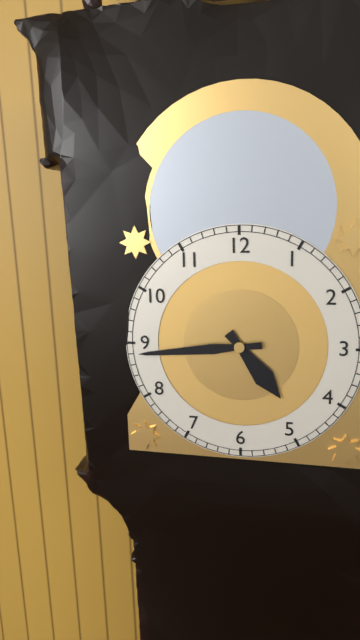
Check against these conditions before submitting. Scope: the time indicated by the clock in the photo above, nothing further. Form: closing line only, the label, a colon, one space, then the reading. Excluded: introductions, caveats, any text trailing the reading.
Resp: 4:44
